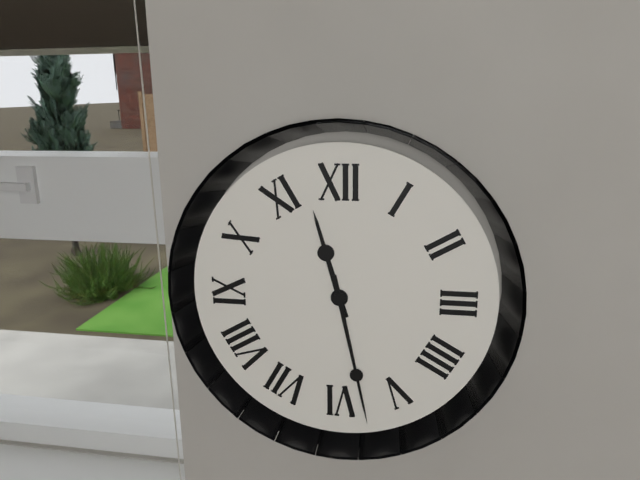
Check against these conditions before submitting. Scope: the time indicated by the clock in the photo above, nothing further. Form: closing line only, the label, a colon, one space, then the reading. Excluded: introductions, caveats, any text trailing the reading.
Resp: 11:28
